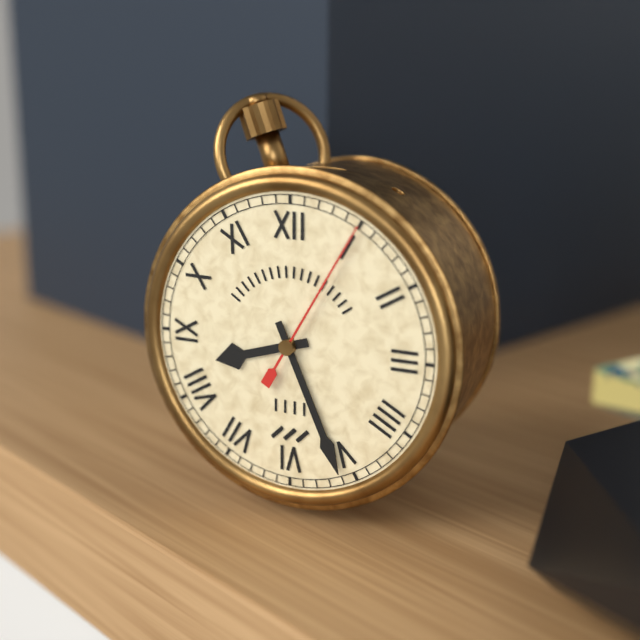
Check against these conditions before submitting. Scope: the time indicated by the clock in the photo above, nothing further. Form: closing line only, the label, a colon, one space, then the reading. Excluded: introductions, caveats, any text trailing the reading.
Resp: 8:26:05
